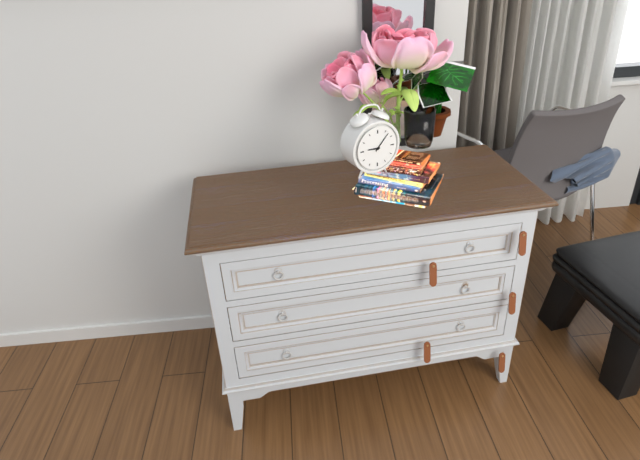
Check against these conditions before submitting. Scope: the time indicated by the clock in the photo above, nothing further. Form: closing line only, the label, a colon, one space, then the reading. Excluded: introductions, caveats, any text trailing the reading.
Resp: 9:07
